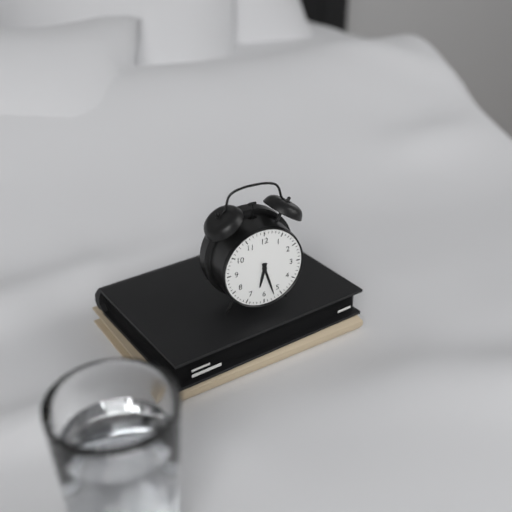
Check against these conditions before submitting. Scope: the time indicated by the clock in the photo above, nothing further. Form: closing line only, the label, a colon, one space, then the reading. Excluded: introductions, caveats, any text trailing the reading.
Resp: 6:27
